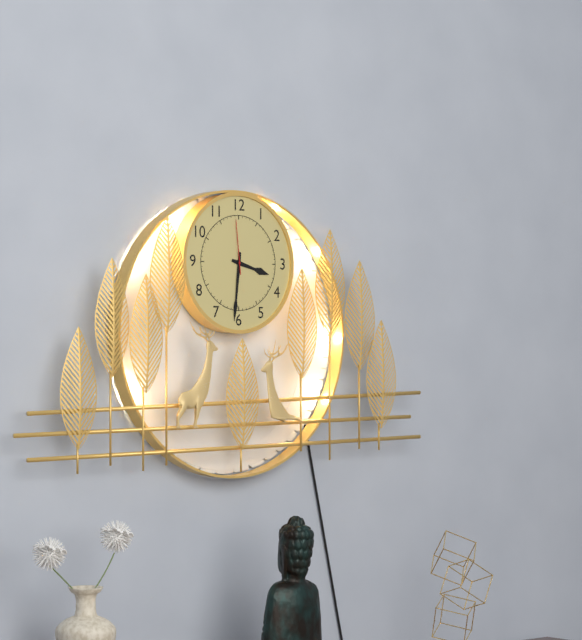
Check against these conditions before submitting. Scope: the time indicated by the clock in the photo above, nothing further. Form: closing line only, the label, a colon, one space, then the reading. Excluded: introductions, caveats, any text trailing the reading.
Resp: 3:31:59
